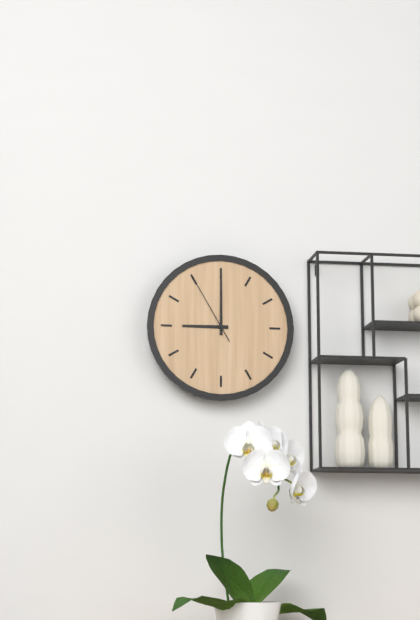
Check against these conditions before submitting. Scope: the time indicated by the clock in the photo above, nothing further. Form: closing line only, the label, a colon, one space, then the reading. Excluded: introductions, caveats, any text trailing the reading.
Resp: 9:00:55
